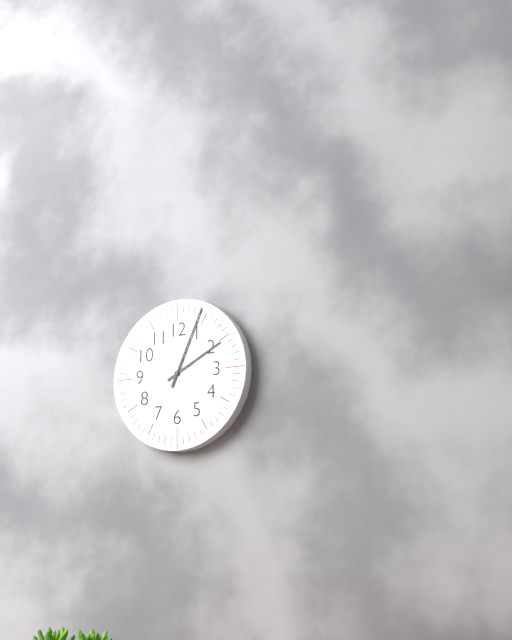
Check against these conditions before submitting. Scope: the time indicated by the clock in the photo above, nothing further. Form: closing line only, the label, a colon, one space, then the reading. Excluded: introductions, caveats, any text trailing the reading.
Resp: 2:04
